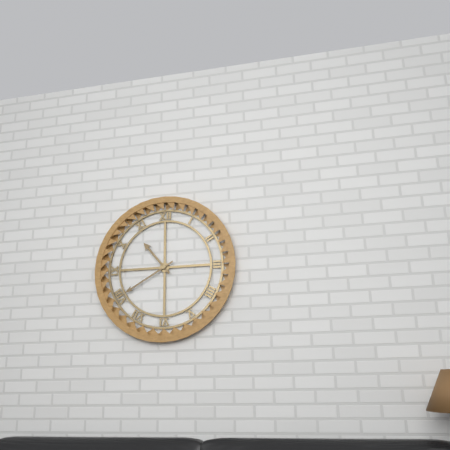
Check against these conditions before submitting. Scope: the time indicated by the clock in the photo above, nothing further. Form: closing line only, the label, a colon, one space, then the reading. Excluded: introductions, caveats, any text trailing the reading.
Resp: 10:40
